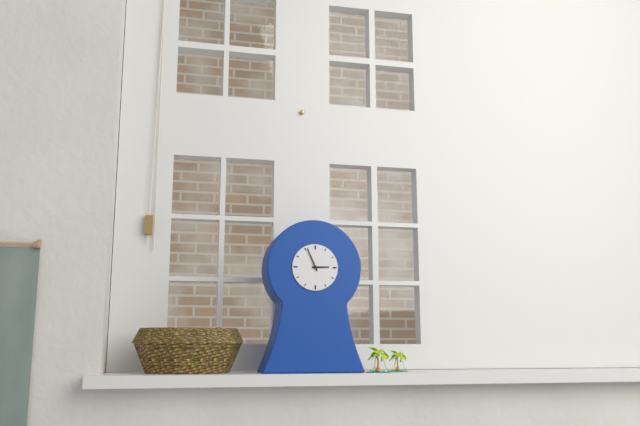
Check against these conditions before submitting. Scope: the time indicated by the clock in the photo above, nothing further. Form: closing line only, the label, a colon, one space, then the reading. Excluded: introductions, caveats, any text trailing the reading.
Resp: 2:56
